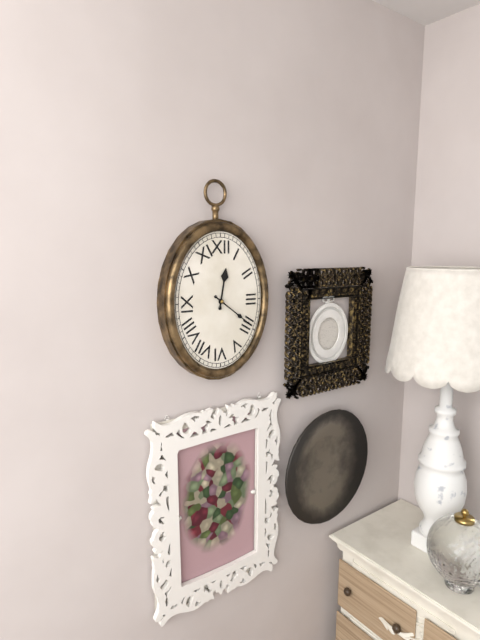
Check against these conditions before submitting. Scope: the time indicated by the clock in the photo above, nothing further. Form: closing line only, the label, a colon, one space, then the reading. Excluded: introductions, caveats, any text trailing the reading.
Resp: 12:21
